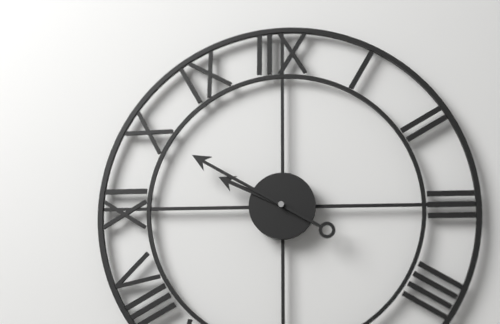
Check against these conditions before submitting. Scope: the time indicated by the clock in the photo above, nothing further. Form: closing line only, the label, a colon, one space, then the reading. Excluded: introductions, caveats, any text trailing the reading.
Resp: 9:50
